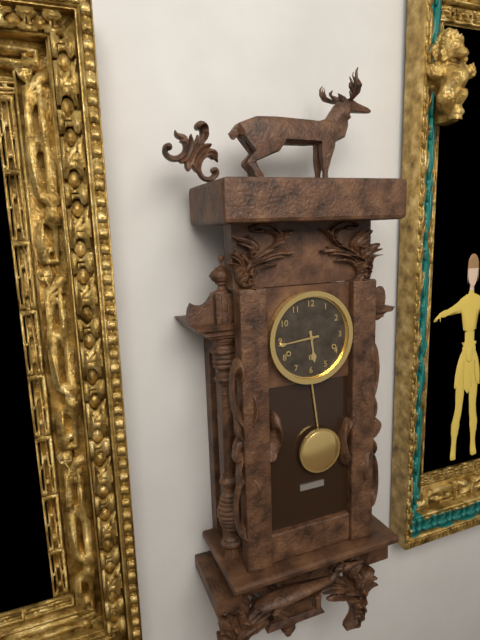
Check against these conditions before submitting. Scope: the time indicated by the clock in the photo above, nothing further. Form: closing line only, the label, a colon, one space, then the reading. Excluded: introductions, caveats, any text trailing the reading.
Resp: 5:44
